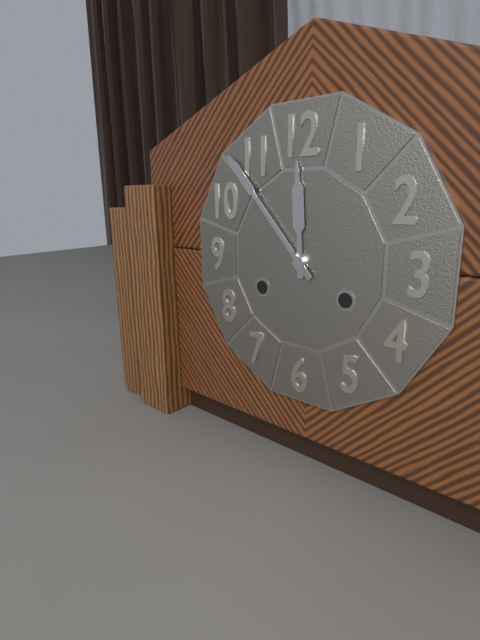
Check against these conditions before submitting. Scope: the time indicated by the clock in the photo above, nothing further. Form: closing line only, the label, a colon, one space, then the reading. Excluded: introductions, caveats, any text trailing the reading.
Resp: 11:53
